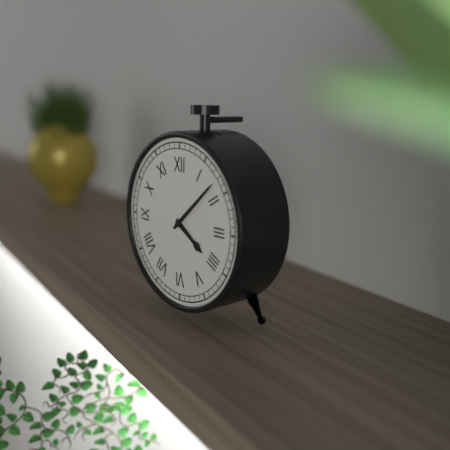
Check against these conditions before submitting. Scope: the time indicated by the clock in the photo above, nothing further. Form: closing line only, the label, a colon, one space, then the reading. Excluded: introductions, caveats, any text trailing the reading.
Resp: 4:08
